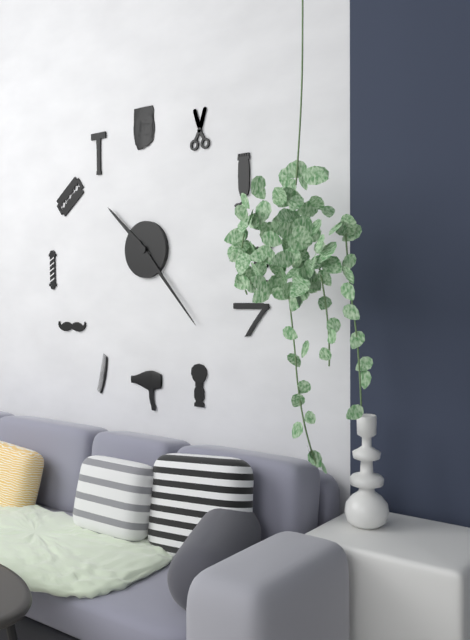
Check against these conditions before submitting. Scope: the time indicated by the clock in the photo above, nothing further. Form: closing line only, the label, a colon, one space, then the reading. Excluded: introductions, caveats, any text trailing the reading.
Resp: 10:23
